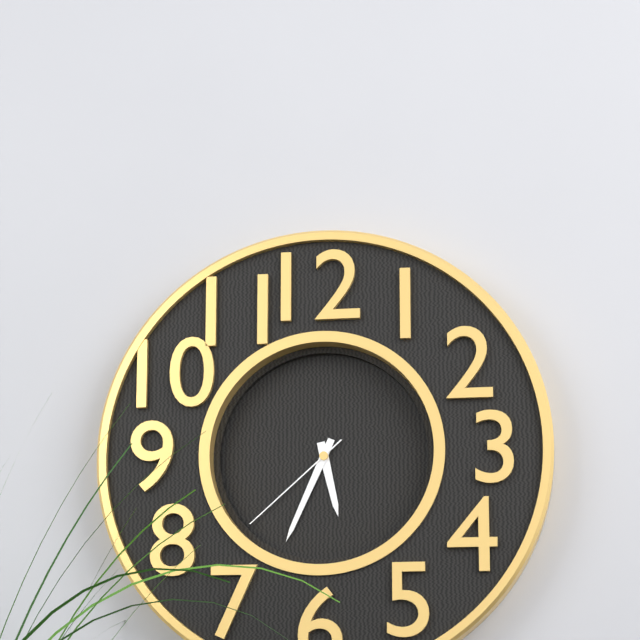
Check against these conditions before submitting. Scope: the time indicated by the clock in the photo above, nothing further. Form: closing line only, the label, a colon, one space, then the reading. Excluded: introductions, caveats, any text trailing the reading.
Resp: 5:34:38
